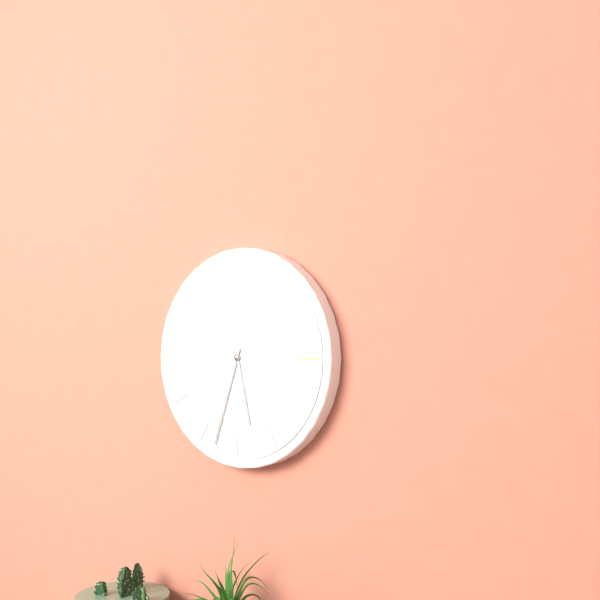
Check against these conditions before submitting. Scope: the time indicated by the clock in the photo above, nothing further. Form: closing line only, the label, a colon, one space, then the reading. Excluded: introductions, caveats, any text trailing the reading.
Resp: 5:33
